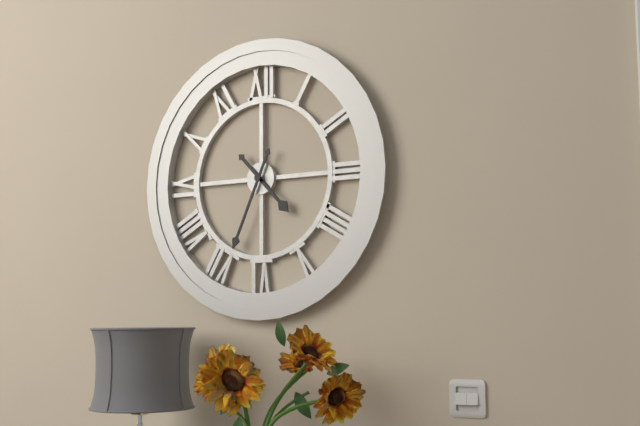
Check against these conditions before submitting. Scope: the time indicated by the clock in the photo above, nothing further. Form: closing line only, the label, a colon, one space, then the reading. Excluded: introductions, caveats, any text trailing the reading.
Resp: 4:34
